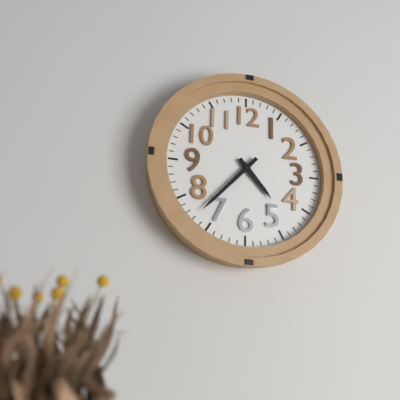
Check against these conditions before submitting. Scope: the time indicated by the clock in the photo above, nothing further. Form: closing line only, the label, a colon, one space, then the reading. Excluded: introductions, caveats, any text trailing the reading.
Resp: 4:37
